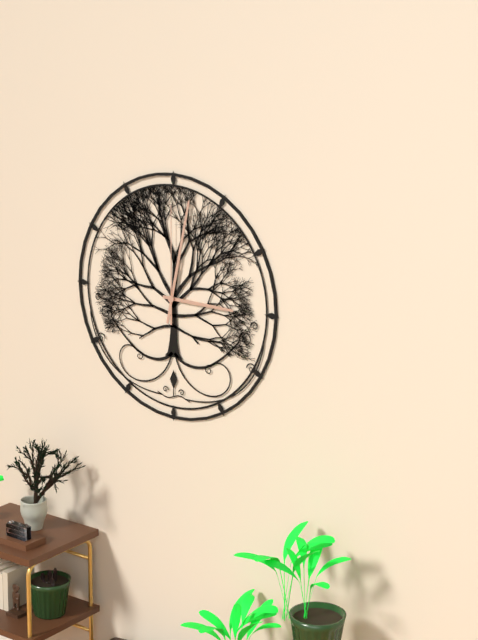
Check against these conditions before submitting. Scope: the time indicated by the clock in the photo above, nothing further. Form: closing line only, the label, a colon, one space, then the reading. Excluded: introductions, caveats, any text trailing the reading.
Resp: 3:02:00
